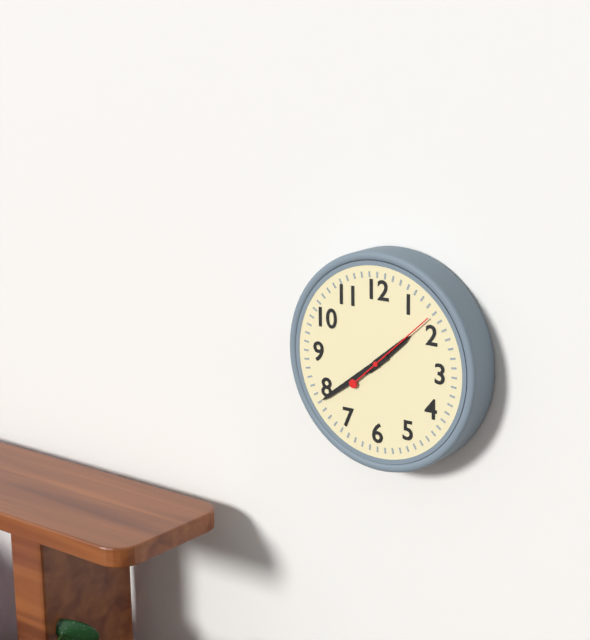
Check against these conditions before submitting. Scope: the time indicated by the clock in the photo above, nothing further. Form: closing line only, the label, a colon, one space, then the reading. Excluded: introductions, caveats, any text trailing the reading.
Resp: 1:39:08
